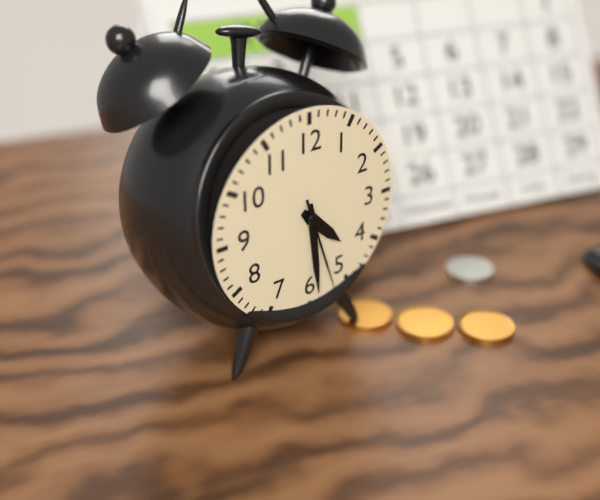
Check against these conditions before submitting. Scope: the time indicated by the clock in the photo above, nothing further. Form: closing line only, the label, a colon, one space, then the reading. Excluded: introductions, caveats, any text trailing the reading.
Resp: 4:29:27
